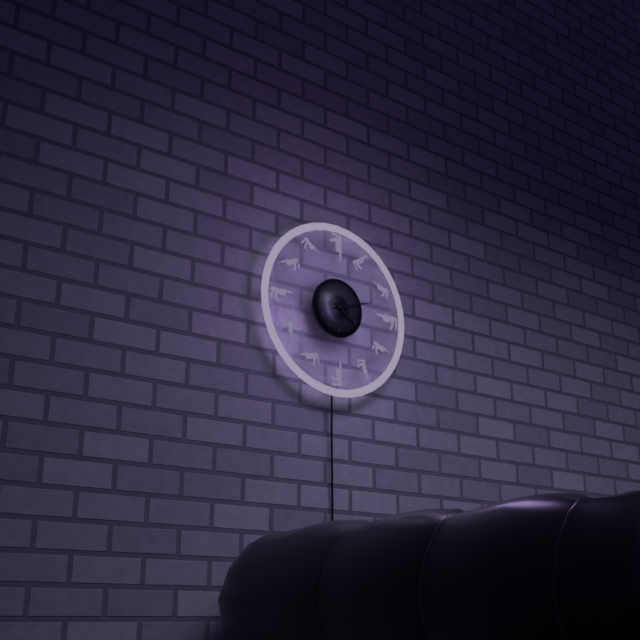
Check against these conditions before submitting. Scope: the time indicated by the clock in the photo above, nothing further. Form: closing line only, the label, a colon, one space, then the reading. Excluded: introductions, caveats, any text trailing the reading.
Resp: 4:12
